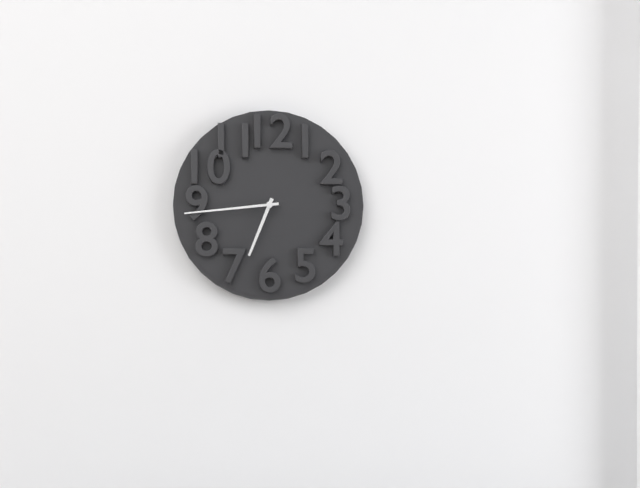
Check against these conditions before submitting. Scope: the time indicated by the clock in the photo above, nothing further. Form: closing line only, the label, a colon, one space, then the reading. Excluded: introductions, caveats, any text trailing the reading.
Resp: 6:44
